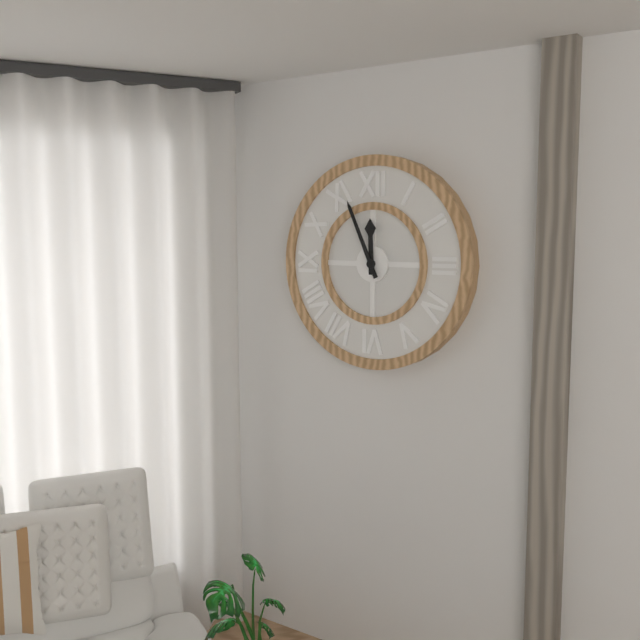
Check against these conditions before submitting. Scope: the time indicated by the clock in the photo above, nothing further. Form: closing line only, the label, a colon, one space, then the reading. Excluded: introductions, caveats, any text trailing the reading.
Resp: 11:56
